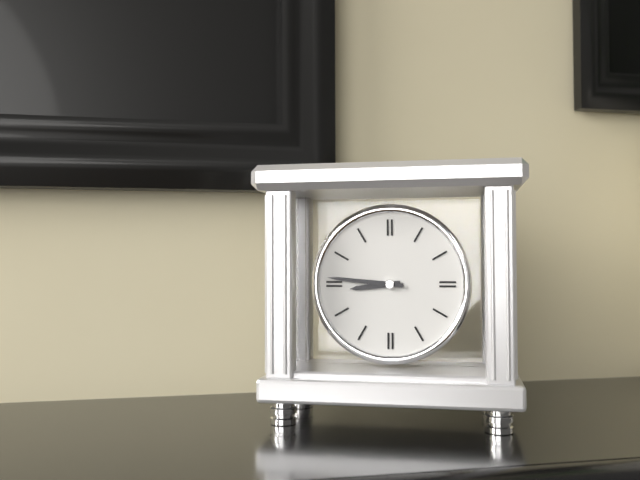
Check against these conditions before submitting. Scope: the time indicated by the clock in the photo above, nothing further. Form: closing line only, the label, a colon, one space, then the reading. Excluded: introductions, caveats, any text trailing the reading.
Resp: 8:46
